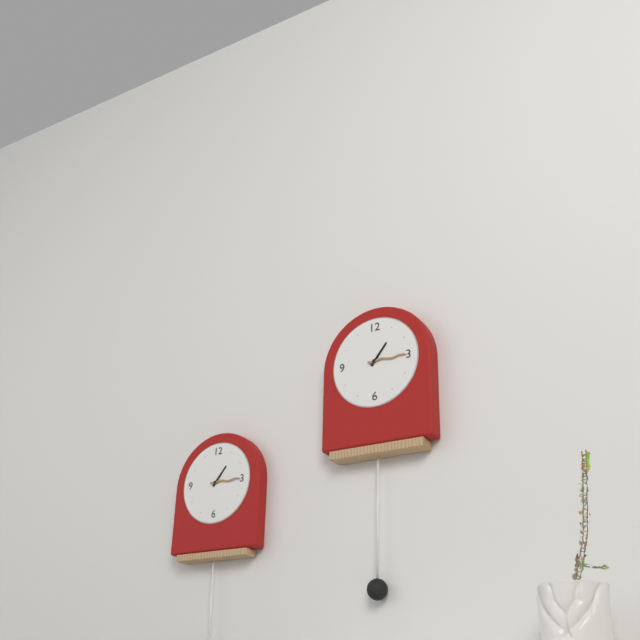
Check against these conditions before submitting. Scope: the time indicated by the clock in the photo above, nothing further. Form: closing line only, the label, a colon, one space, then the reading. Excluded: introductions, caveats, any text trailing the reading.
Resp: 1:15
